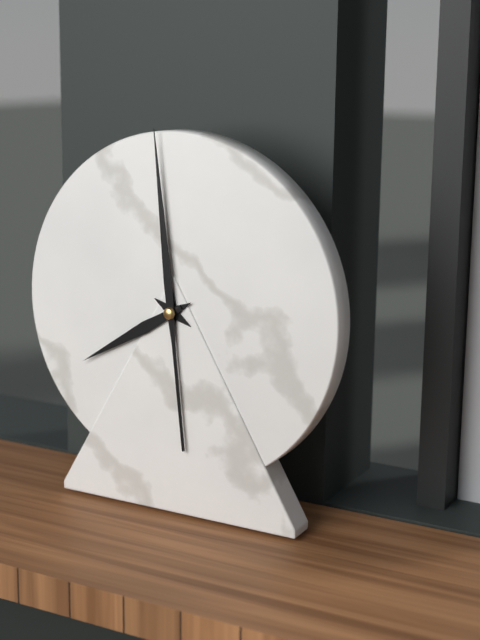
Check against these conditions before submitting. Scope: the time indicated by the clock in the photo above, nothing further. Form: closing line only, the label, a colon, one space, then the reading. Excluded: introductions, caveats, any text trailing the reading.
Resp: 7:59
